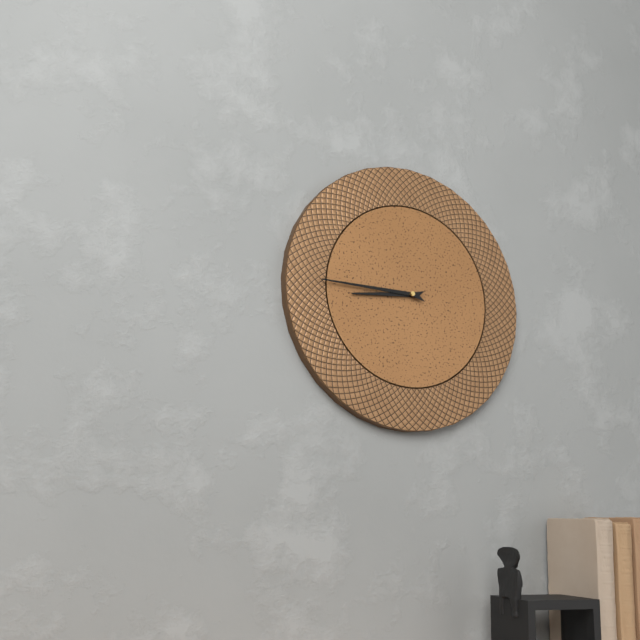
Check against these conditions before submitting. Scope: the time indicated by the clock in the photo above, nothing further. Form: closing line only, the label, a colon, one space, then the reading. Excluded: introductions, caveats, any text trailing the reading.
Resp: 8:45
